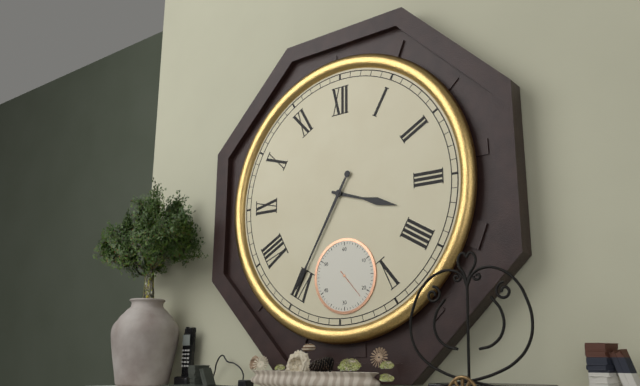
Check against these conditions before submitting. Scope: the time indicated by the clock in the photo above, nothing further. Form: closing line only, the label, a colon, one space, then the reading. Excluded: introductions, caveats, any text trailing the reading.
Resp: 3:35
